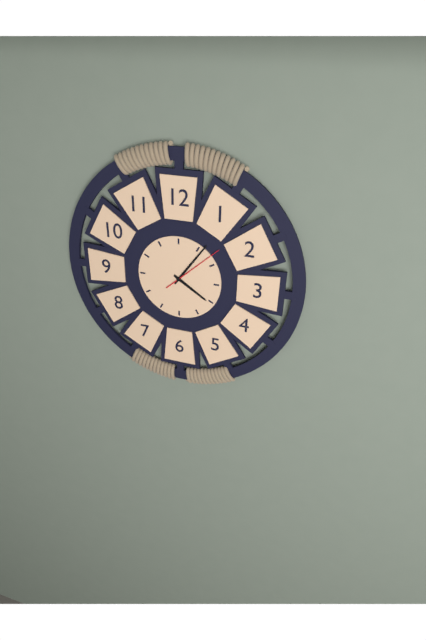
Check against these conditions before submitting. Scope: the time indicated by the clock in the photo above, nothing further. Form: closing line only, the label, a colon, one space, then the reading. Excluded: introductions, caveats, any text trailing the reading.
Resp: 4:06:08
